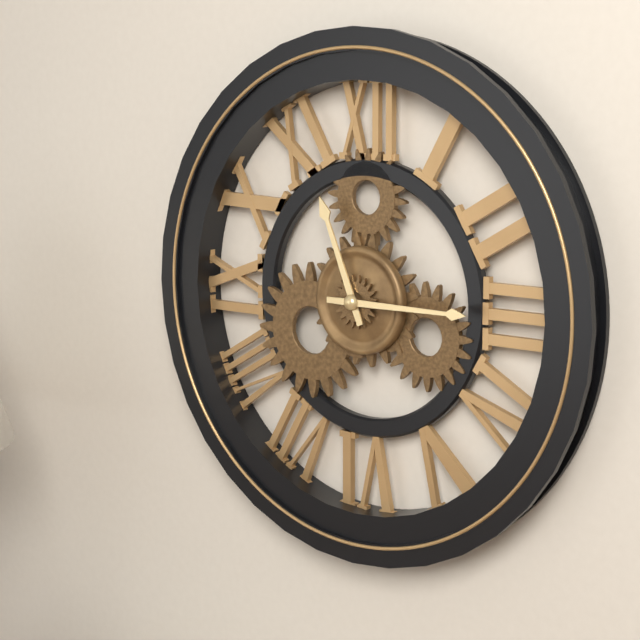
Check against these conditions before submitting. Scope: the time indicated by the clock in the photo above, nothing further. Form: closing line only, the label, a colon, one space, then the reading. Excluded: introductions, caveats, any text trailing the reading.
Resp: 11:15
